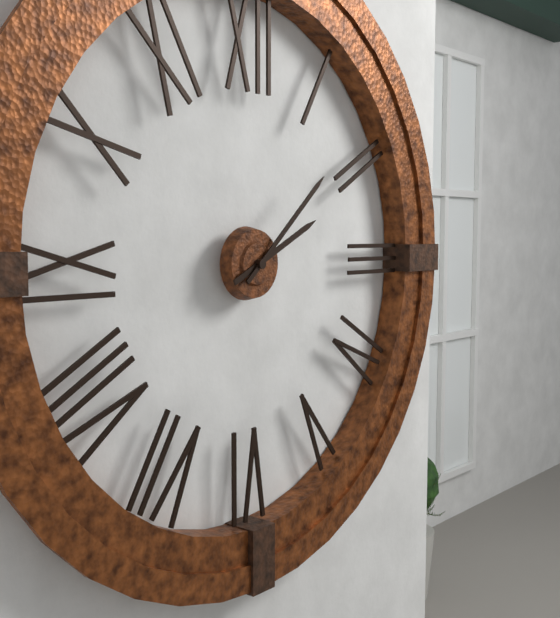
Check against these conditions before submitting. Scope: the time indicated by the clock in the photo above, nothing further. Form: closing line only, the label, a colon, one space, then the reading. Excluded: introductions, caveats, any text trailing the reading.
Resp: 2:08
